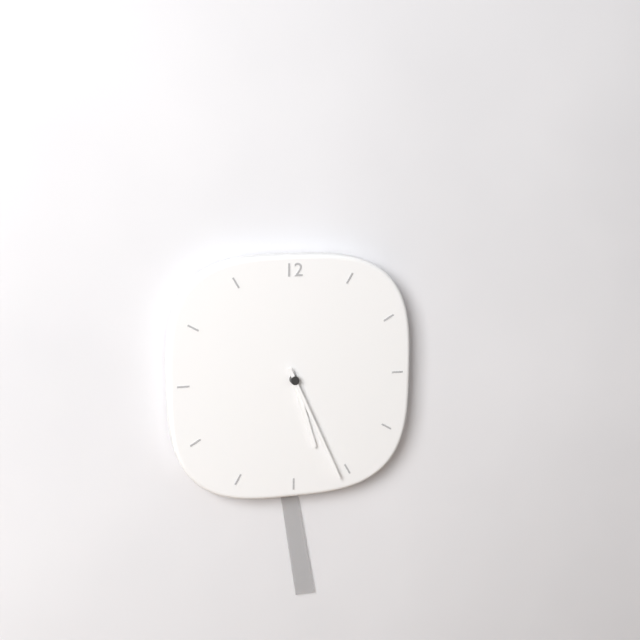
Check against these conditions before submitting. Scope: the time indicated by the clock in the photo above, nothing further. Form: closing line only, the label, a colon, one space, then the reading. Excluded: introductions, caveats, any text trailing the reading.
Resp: 5:26
